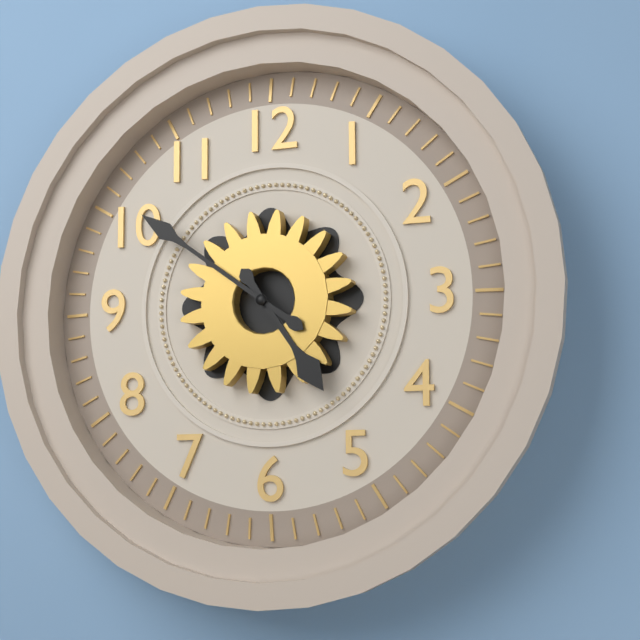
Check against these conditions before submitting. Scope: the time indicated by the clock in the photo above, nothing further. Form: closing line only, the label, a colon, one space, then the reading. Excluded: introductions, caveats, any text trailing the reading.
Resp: 4:51
